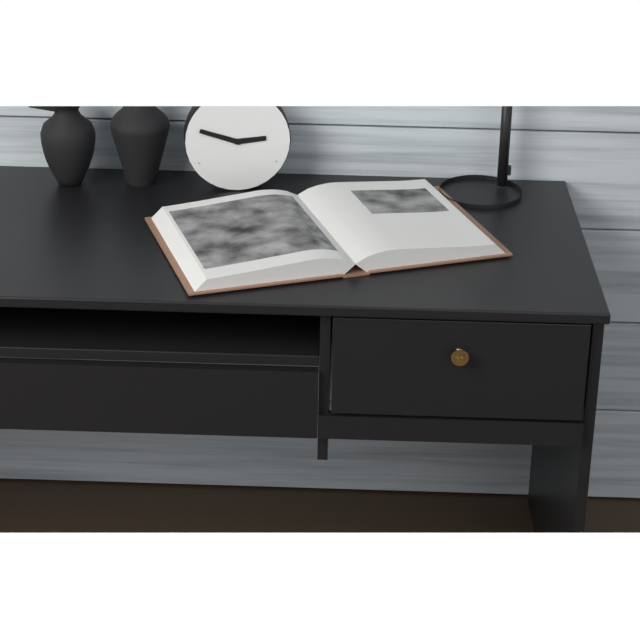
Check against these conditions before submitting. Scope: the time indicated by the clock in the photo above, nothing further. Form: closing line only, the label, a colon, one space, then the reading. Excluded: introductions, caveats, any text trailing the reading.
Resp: 2:48
